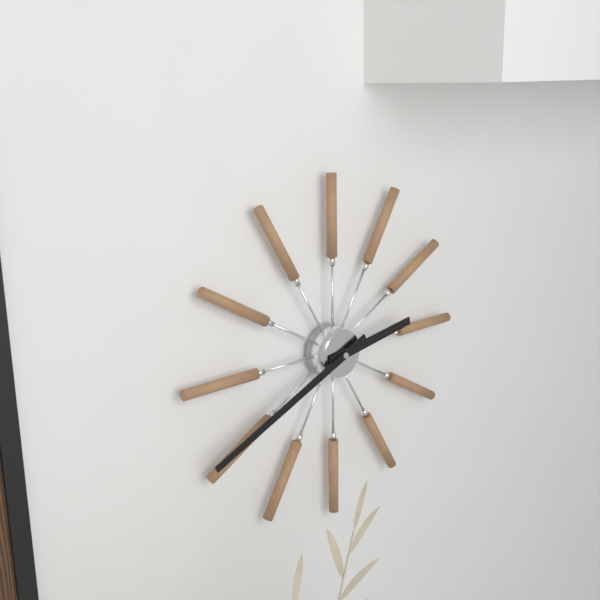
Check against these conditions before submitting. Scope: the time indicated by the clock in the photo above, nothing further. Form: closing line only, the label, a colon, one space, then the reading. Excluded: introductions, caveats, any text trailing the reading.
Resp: 2:41
